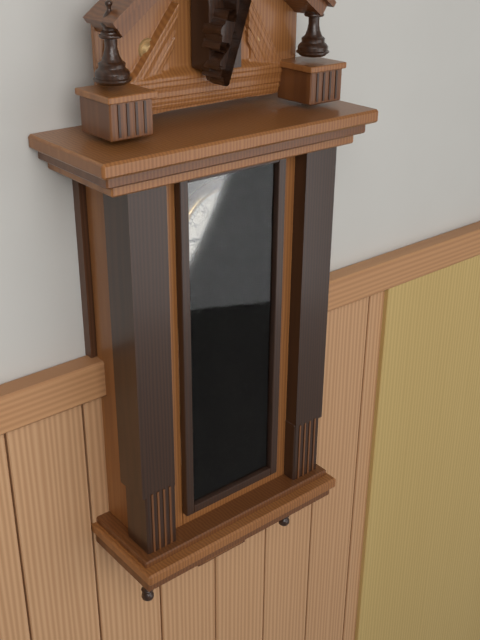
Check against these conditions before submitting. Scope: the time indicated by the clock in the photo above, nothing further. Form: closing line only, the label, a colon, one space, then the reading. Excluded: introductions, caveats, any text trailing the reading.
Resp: 4:46
